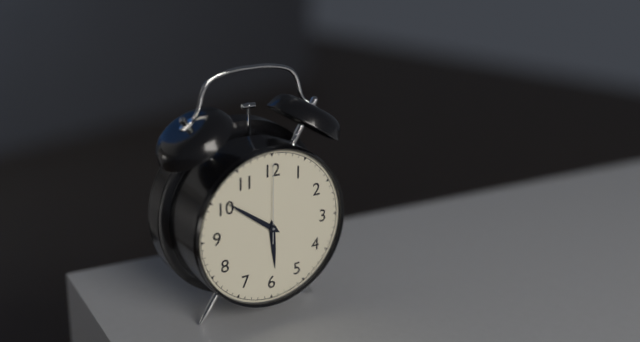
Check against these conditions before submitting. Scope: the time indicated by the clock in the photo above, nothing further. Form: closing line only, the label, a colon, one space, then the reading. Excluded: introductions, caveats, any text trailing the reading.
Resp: 5:51:00
